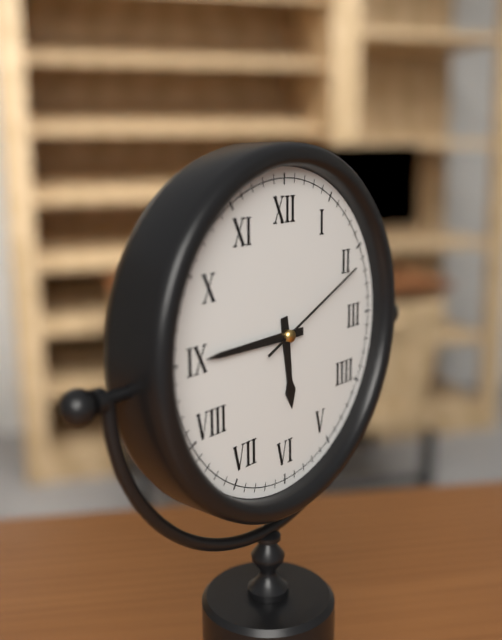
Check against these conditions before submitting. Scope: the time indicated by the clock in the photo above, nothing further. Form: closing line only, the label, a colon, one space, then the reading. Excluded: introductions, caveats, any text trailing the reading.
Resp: 5:45:11
